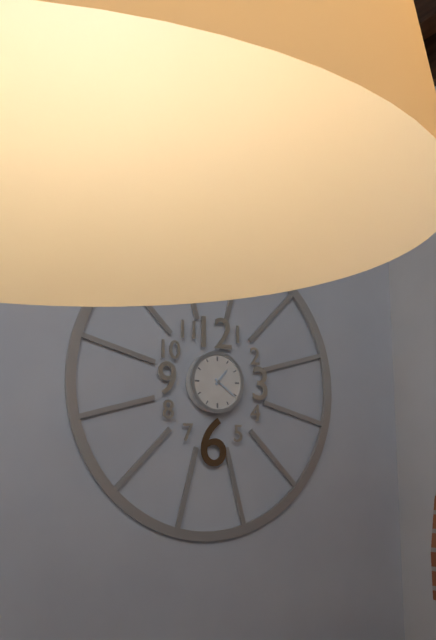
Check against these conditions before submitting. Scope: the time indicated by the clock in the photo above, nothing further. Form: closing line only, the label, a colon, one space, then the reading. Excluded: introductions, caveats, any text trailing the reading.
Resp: 1:21
